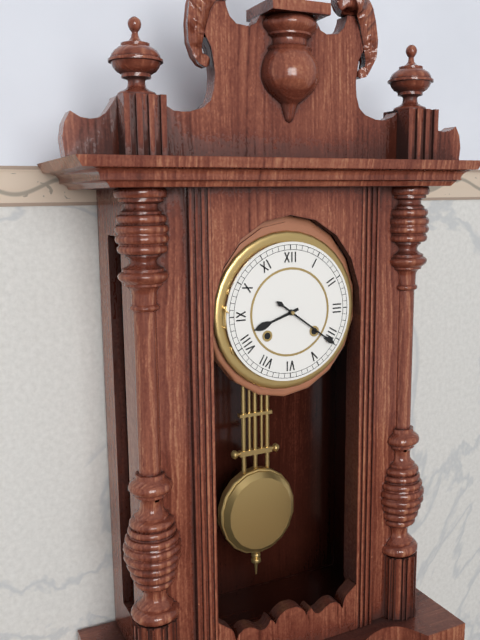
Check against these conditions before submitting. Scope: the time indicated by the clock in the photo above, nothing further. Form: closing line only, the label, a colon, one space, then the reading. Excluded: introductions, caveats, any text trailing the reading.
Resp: 8:21
